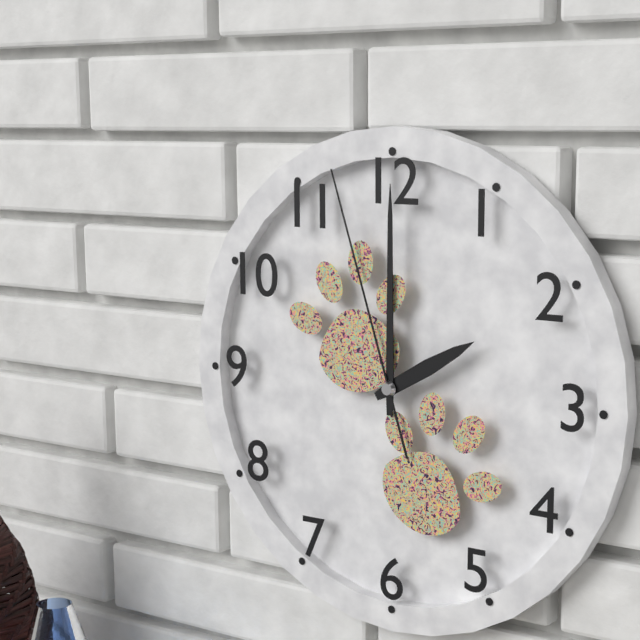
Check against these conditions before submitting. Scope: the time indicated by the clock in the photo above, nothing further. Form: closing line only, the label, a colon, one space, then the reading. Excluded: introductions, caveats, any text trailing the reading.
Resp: 2:00:57
